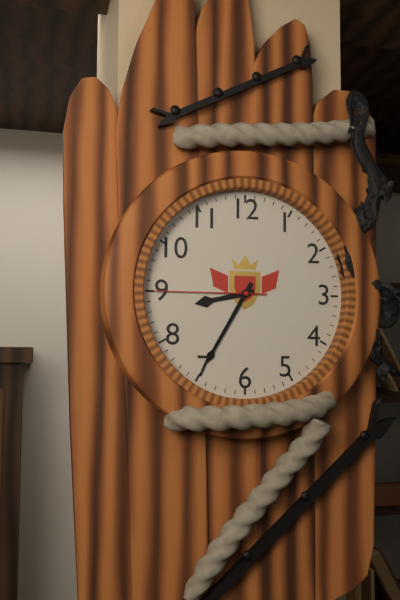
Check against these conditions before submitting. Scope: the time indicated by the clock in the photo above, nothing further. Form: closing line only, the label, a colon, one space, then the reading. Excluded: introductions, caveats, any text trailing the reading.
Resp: 8:35:45
